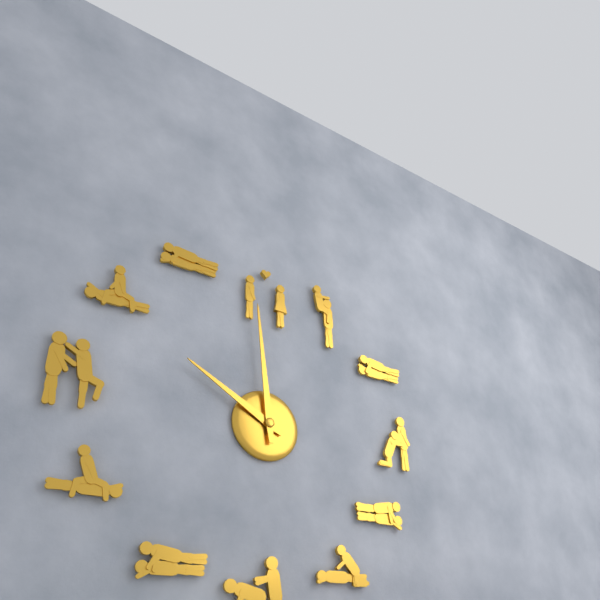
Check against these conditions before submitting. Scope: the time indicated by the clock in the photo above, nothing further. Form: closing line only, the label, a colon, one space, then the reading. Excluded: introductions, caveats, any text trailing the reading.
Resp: 9:59
